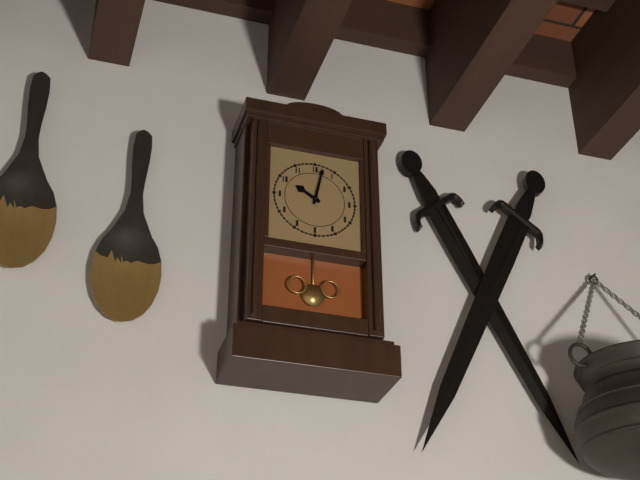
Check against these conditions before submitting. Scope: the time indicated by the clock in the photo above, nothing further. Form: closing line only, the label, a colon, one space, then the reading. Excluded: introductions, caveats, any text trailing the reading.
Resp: 10:02
